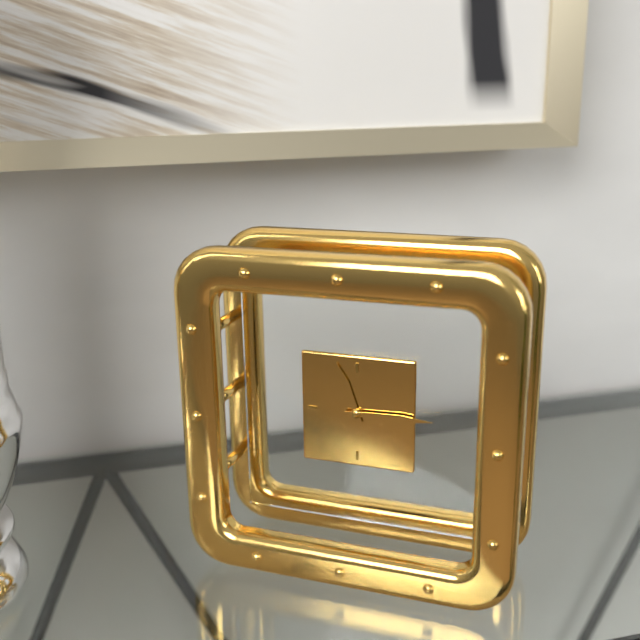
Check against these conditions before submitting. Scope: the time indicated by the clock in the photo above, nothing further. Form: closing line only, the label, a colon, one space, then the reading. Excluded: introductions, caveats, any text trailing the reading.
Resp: 11:15
